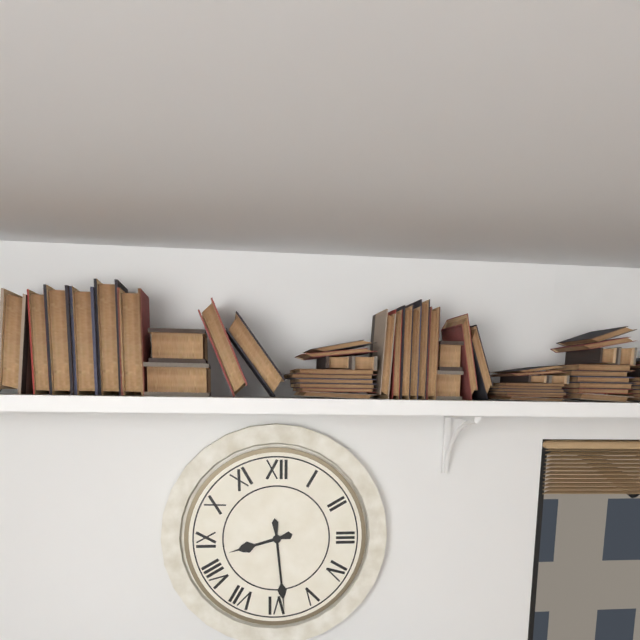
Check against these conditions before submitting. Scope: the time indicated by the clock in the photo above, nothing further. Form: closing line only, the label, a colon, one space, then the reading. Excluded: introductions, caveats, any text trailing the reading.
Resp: 8:29
